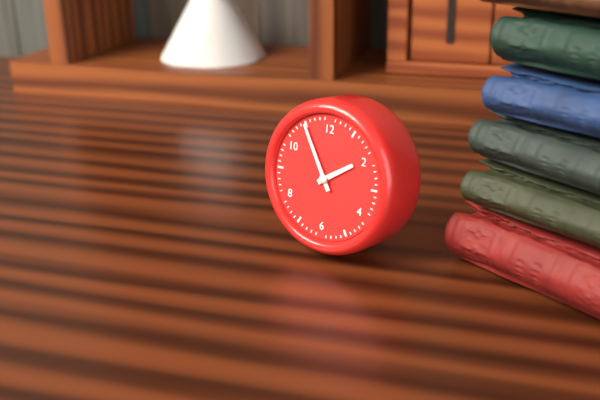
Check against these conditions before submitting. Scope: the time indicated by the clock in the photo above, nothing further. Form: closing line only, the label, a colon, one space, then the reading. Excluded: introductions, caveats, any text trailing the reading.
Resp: 1:55
